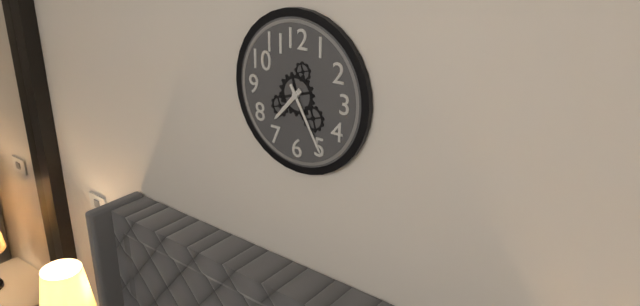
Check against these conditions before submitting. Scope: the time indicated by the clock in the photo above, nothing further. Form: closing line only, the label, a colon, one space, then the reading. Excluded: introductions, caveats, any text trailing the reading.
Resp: 7:25
